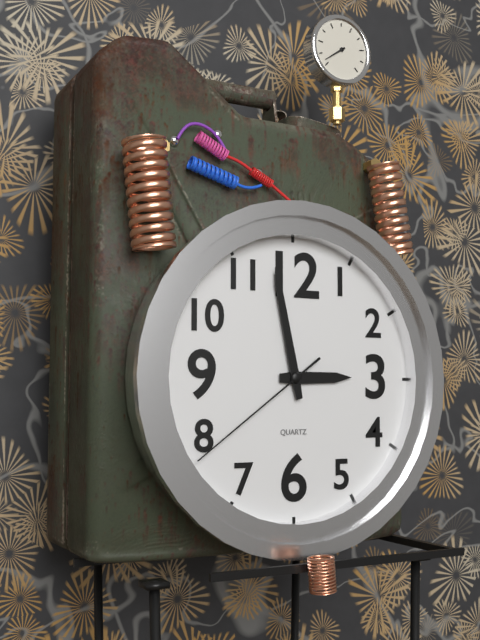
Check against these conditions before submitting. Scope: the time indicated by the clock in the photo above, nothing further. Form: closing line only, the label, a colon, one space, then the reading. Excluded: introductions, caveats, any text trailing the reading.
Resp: 2:58:39
